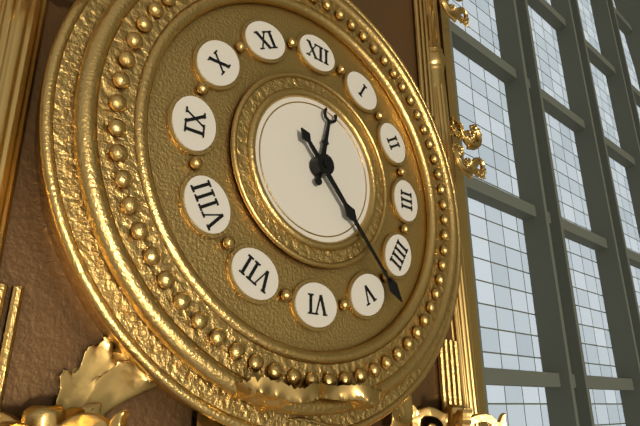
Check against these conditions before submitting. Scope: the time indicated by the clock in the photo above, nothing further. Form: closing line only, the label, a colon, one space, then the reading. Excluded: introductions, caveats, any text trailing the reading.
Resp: 12:23
